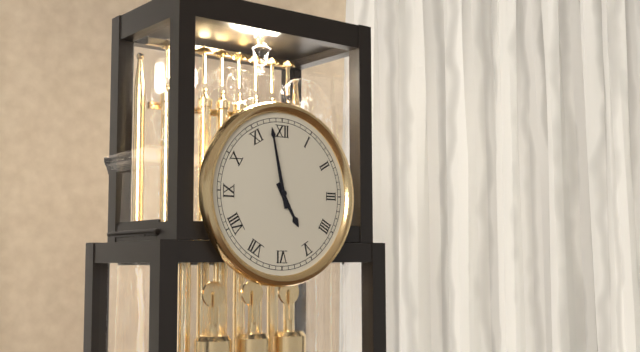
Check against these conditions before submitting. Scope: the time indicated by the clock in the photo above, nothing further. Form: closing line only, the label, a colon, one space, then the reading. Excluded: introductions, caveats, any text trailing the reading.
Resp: 4:58
